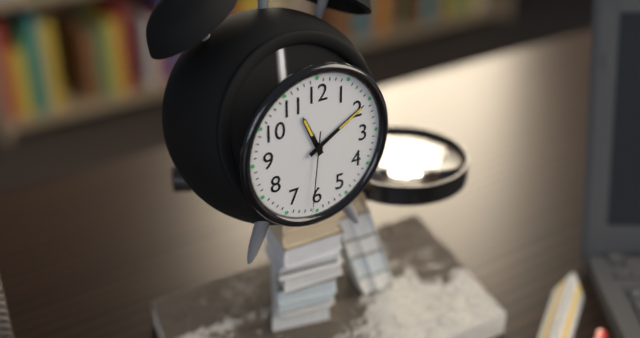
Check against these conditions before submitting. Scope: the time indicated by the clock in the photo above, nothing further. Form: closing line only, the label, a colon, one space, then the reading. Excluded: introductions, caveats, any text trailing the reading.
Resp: 11:10:31
